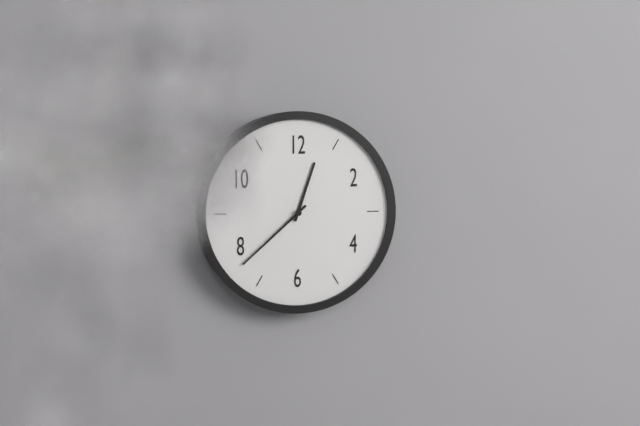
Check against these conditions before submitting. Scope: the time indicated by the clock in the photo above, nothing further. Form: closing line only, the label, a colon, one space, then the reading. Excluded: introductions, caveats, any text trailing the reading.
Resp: 12:38
